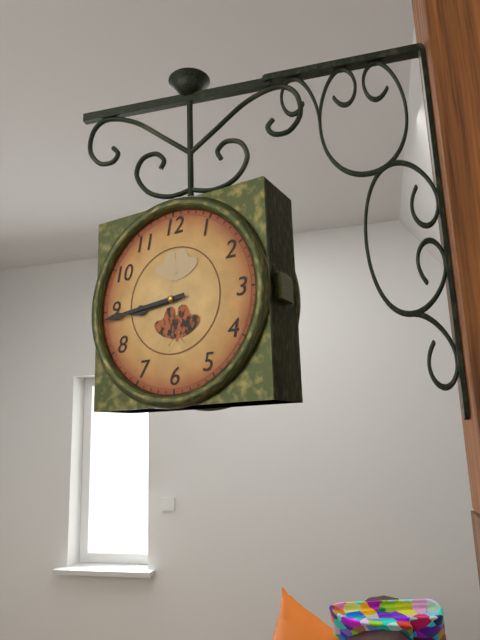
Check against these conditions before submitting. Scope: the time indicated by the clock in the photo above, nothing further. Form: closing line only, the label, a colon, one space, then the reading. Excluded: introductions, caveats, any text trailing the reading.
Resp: 8:44
